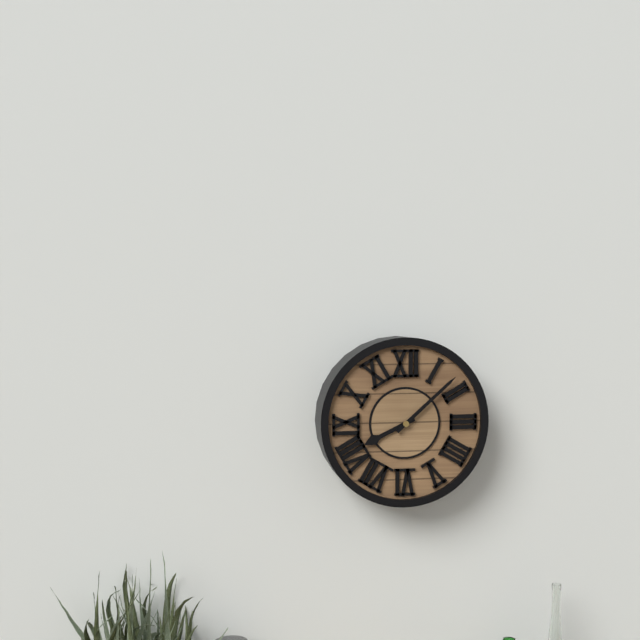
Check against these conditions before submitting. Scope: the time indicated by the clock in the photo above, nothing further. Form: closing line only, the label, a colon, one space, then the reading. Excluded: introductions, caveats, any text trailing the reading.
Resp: 8:08
